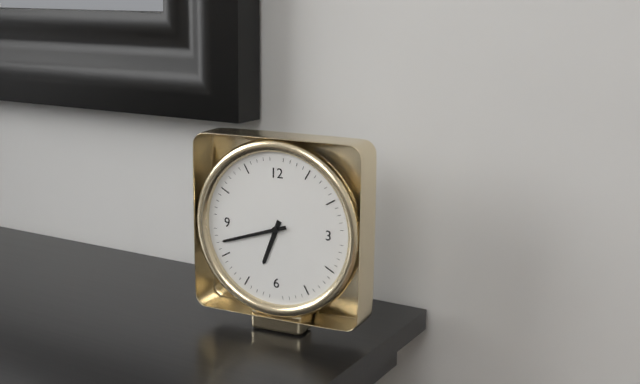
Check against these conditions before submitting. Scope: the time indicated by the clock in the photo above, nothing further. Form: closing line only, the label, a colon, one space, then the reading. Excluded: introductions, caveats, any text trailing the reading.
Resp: 6:42
